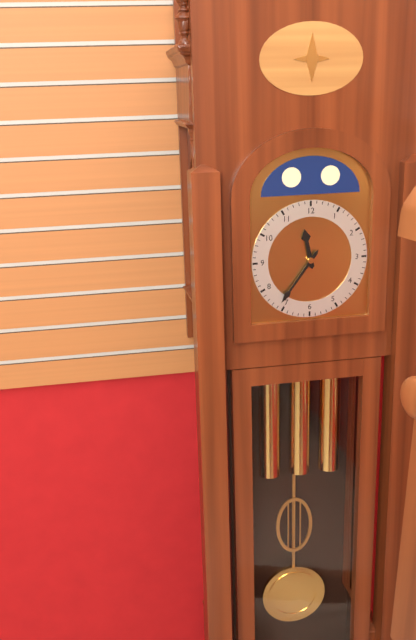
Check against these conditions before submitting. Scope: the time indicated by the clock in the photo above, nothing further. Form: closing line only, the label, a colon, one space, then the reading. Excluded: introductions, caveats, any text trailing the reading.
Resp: 11:36
